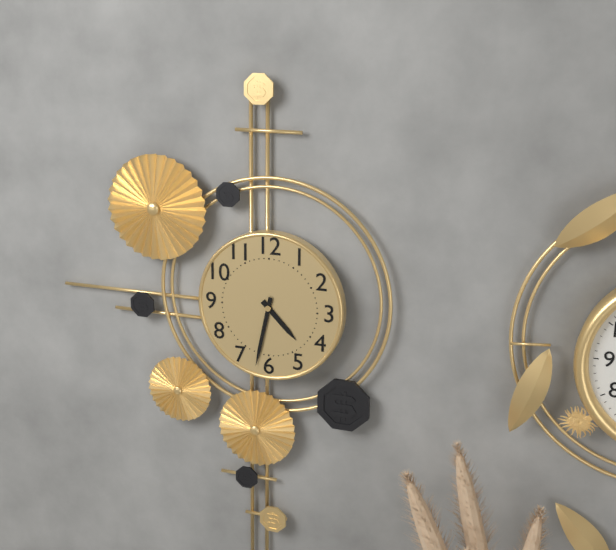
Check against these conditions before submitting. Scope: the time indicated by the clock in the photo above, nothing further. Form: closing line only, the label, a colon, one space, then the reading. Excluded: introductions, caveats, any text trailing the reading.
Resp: 4:32
